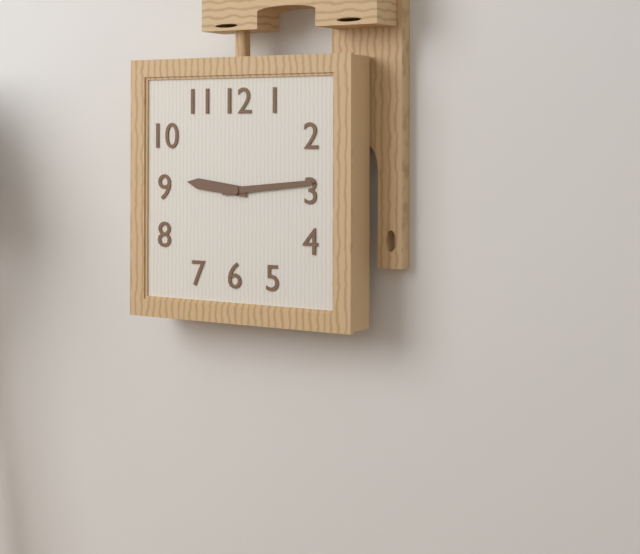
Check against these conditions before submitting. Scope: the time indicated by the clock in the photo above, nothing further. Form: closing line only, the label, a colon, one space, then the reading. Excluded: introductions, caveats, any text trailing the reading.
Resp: 9:14
